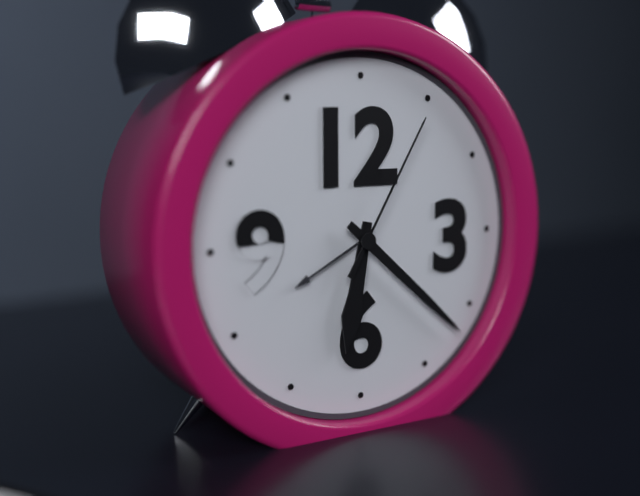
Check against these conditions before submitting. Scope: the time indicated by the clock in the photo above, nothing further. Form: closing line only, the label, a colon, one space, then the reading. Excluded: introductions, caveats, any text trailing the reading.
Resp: 6:22:05
